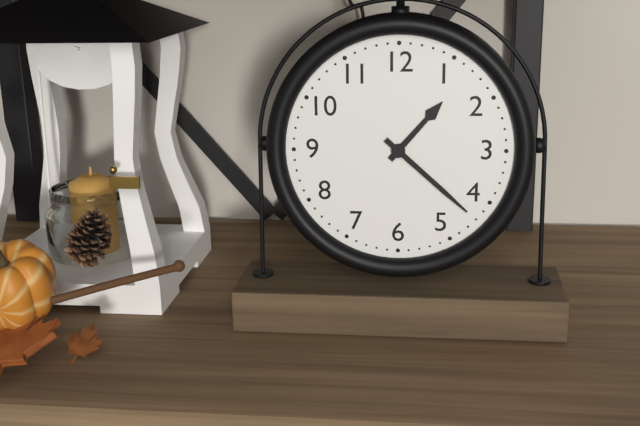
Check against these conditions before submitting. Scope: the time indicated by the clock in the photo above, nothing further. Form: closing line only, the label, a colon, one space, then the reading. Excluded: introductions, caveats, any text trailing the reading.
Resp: 1:22
